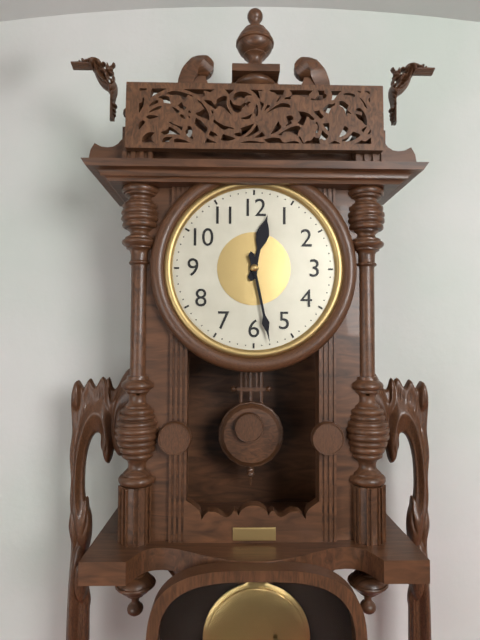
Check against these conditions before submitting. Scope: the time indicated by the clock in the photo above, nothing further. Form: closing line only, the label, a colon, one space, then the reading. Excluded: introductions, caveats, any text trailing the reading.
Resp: 12:28
